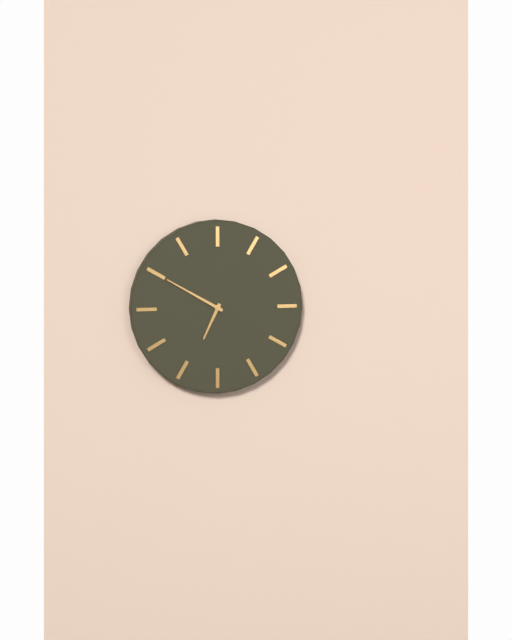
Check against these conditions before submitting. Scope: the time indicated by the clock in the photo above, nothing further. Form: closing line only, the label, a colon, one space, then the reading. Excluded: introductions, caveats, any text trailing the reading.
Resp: 6:50
